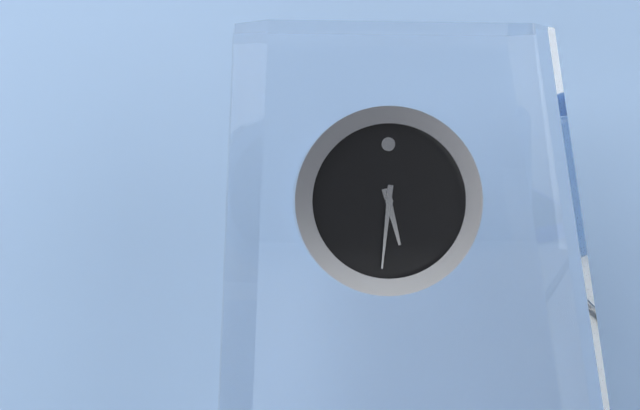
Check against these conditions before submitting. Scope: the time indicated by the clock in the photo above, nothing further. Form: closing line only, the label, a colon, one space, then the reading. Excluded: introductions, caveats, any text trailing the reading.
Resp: 5:31
